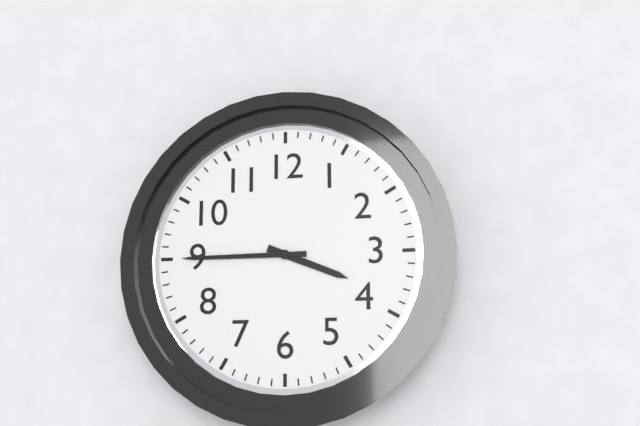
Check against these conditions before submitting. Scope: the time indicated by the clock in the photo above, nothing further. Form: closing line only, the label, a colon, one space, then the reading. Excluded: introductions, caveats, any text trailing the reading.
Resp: 3:45
